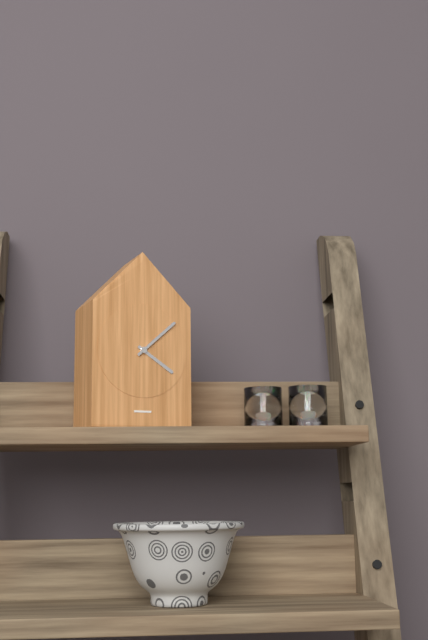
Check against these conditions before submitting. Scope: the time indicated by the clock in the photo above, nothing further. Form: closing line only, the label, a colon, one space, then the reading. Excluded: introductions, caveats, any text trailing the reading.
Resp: 4:08
